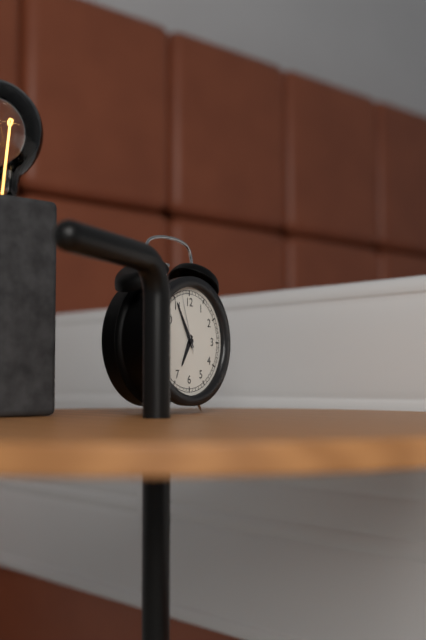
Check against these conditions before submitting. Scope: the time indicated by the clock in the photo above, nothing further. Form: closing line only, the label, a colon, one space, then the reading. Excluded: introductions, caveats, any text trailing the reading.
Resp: 6:55:57
